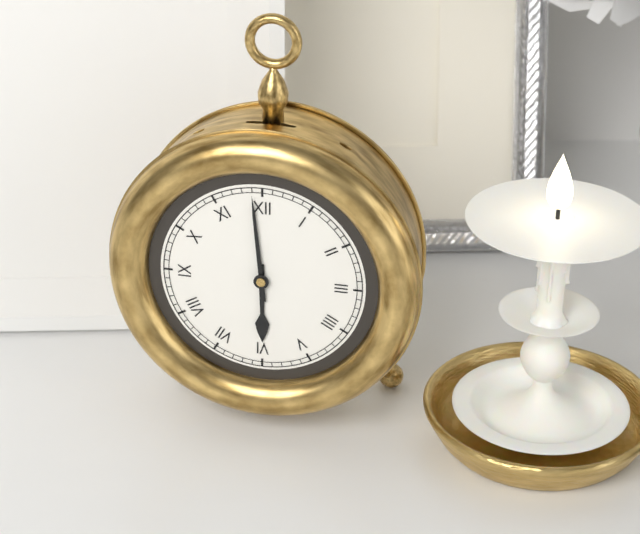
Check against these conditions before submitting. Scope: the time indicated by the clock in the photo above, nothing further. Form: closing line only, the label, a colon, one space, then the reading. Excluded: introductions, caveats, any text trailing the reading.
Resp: 5:59
